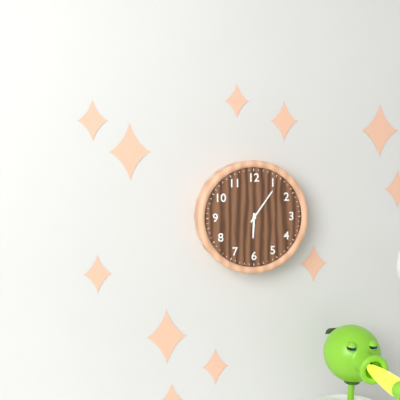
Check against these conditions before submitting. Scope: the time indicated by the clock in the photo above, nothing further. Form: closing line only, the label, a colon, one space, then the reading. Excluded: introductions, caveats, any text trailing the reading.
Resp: 6:06
